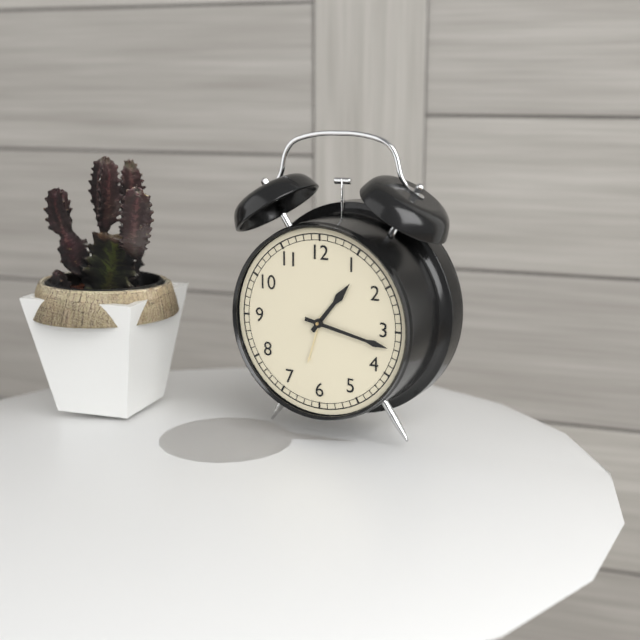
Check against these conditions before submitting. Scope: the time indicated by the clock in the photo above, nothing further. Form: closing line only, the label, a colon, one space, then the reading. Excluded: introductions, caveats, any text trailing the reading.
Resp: 1:17
